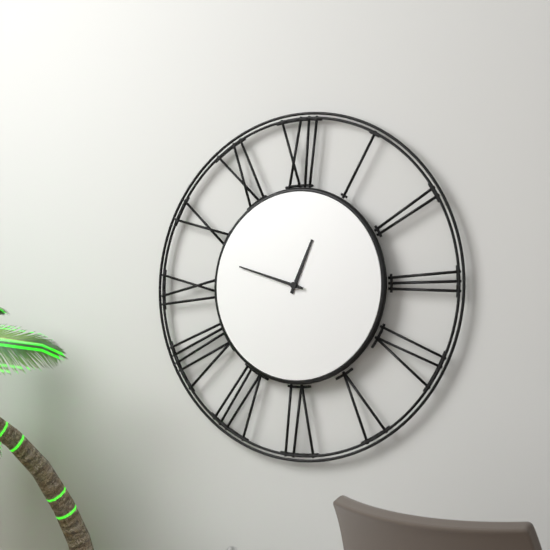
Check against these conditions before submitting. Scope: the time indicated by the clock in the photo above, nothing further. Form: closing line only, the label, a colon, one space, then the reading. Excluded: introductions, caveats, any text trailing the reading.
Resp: 12:48
